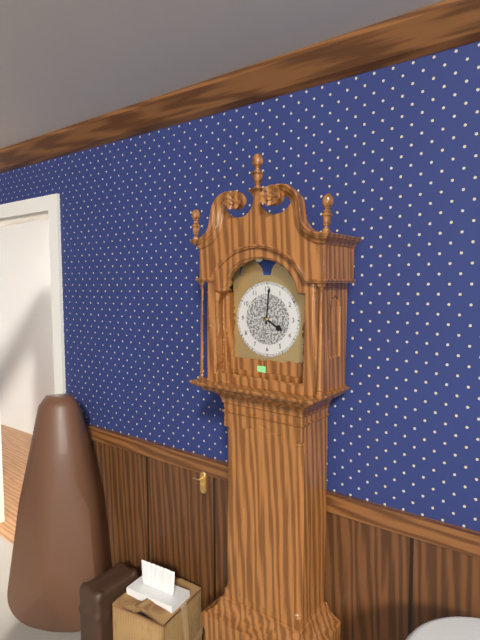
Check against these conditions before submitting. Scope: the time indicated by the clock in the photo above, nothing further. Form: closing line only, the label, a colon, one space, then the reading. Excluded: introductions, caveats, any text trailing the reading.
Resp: 4:01
